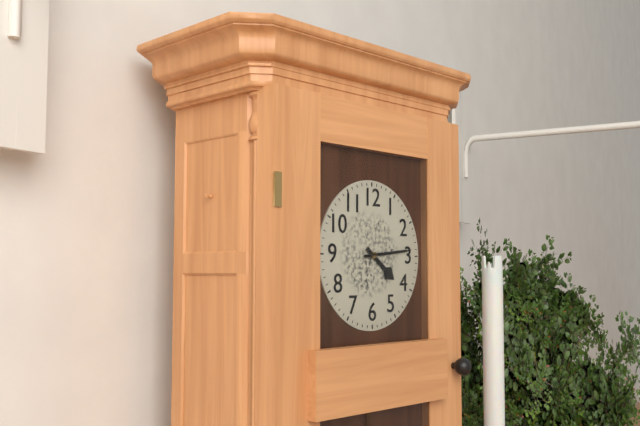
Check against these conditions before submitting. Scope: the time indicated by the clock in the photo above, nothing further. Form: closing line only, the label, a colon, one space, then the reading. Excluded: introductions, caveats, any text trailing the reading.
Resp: 4:14
